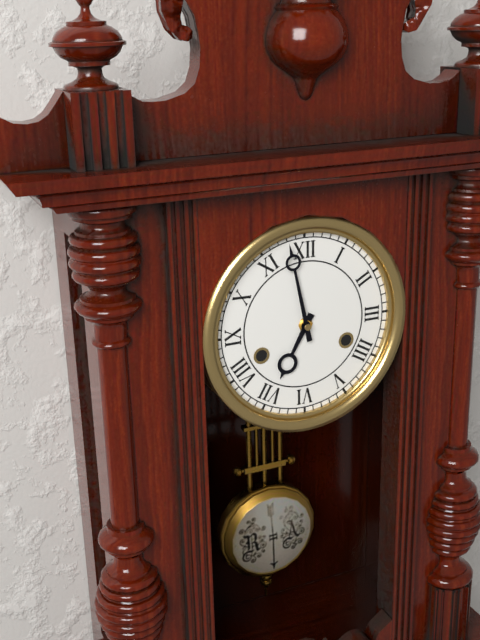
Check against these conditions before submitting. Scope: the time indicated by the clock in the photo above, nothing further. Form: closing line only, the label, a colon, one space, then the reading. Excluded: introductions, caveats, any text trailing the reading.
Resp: 6:58
